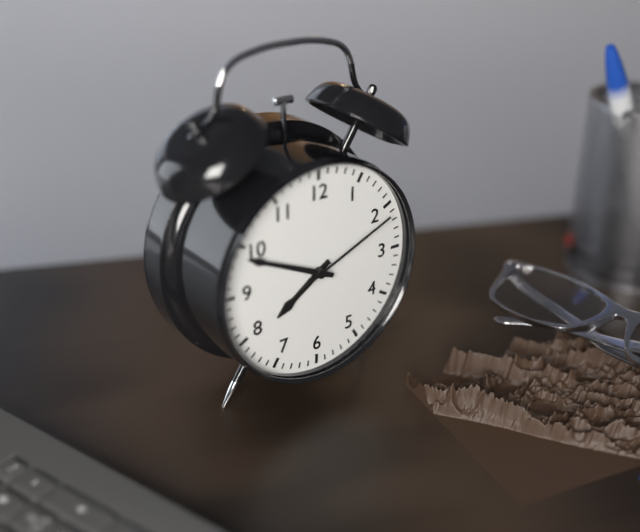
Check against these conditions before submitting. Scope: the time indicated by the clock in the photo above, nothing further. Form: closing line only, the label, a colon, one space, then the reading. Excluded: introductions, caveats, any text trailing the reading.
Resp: 7:49:11
